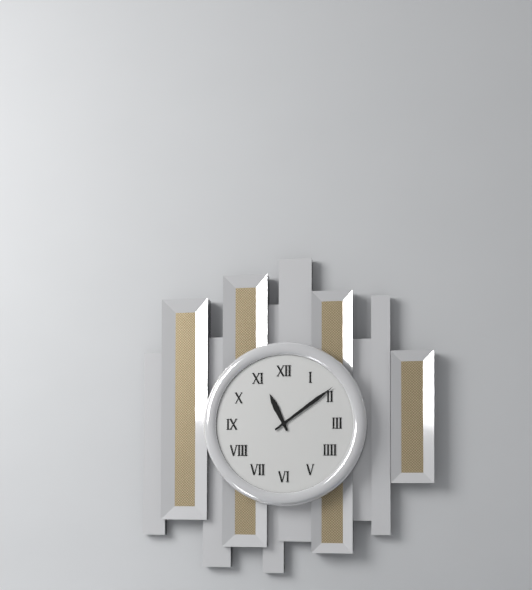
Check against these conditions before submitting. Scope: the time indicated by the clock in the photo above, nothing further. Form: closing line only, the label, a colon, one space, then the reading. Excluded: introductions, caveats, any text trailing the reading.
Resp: 11:09
